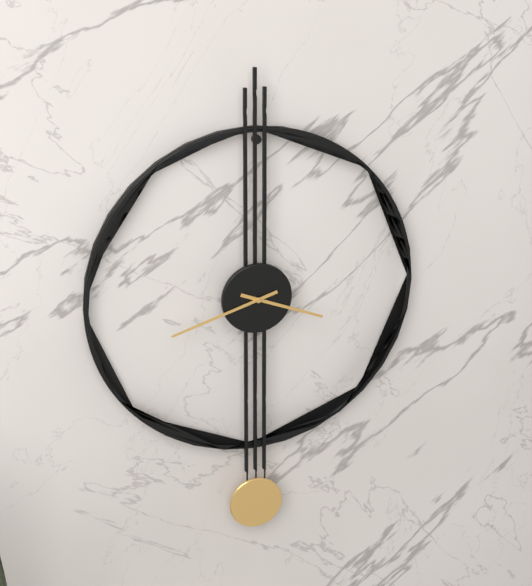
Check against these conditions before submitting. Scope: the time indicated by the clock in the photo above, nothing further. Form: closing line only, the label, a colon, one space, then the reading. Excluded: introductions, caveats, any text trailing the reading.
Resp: 3:42
